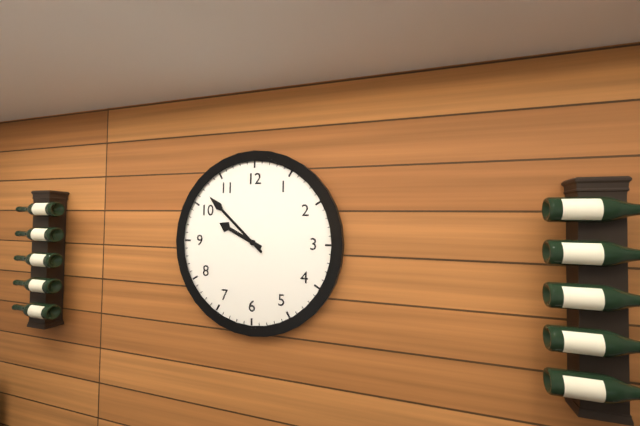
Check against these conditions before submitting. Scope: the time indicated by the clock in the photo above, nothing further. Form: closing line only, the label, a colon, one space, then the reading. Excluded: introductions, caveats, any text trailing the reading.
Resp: 9:52
